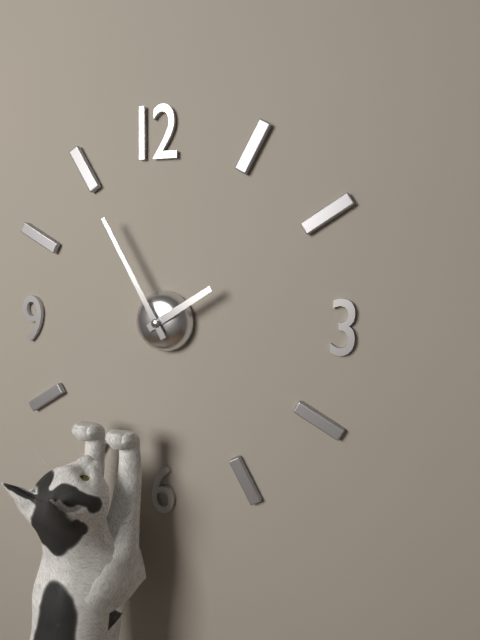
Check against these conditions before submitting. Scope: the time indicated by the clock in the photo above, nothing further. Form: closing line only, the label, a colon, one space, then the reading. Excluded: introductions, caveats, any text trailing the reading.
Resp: 1:55
